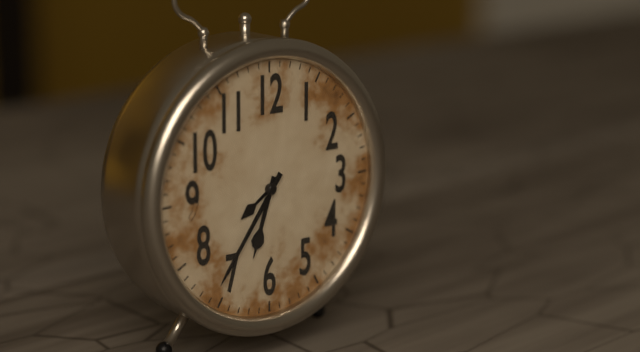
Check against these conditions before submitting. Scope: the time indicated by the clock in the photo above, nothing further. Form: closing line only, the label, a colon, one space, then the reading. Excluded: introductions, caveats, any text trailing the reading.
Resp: 6:36
